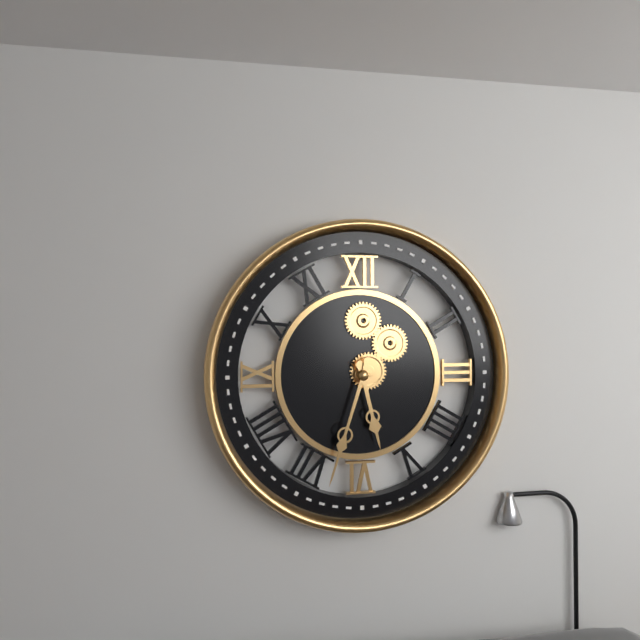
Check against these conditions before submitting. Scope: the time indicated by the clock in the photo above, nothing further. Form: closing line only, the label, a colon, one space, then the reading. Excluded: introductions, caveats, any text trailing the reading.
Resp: 5:33
